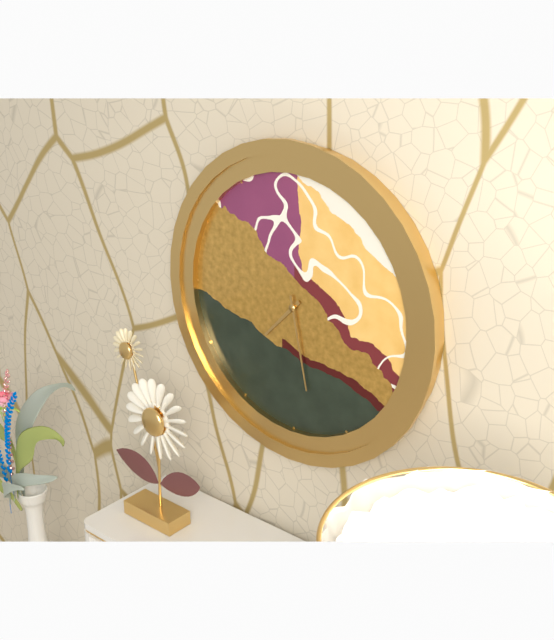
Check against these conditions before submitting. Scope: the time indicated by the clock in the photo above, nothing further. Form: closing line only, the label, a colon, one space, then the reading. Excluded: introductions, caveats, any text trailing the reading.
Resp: 7:28
